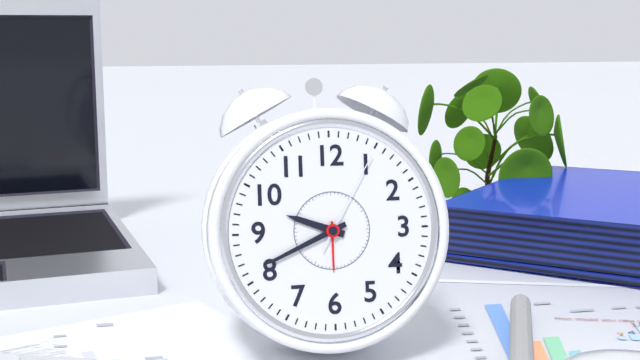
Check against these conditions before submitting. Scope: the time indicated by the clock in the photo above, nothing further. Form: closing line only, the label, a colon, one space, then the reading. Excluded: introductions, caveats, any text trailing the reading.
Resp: 9:41:05
